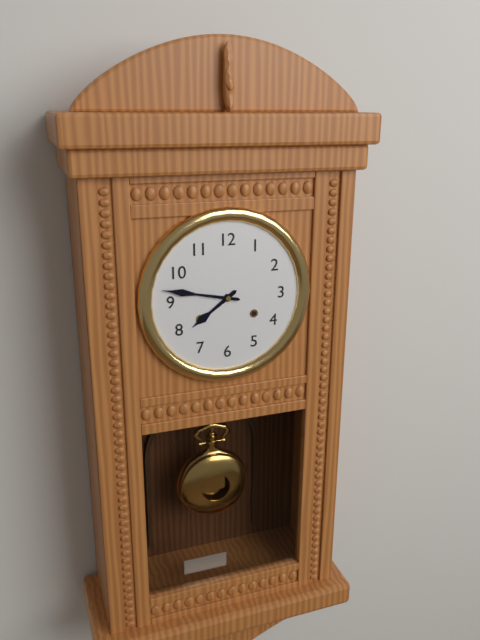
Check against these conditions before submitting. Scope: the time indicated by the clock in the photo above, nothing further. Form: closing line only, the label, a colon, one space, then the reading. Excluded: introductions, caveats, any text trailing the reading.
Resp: 7:47
